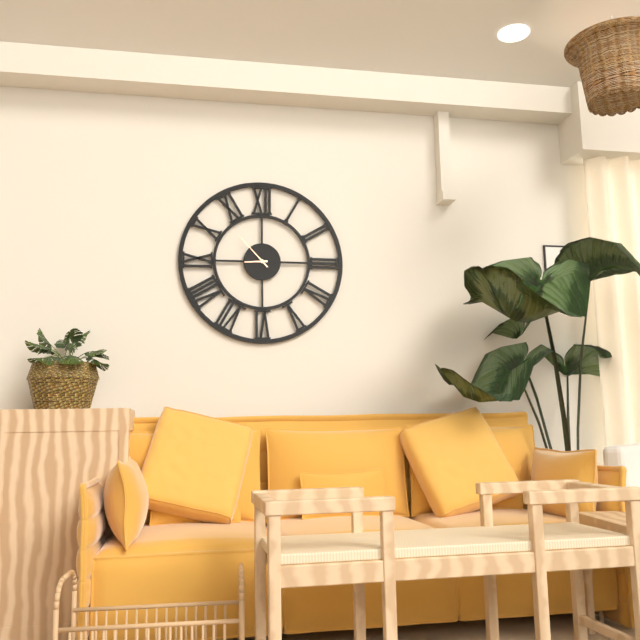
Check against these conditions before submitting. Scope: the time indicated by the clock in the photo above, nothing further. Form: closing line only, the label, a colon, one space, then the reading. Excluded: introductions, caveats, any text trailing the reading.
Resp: 8:53
